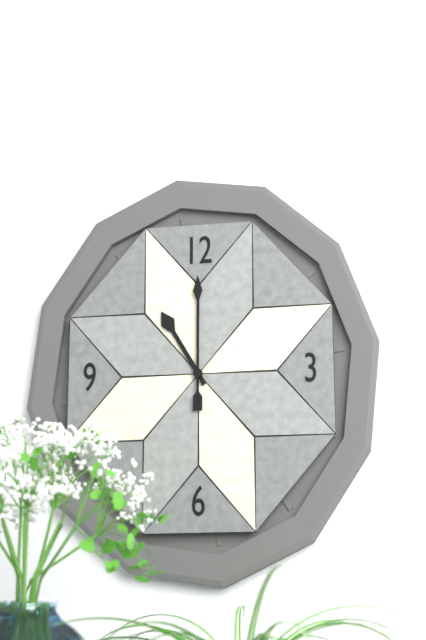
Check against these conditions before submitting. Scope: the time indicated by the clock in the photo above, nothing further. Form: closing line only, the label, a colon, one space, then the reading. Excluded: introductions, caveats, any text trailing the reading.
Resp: 11:00
